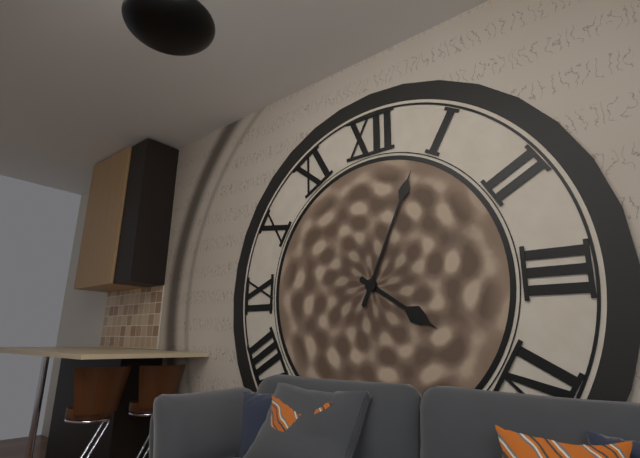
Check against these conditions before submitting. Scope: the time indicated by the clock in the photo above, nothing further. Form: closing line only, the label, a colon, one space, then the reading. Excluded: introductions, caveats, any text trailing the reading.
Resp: 4:04
